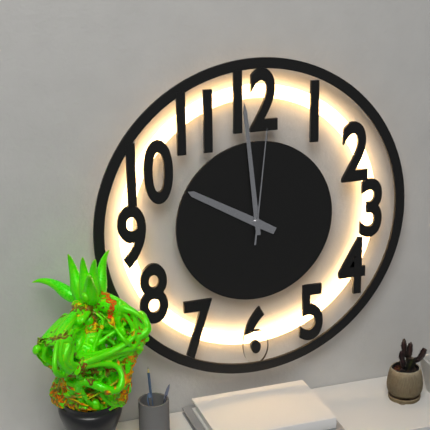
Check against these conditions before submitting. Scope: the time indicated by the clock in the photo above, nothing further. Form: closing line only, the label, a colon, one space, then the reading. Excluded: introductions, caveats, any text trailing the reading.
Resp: 9:59:01
